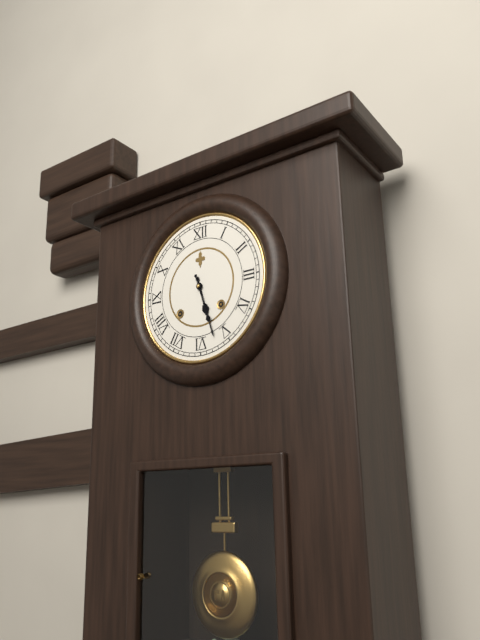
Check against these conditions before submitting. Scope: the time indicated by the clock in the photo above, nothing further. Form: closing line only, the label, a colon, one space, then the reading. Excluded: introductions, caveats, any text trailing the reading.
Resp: 5:27
